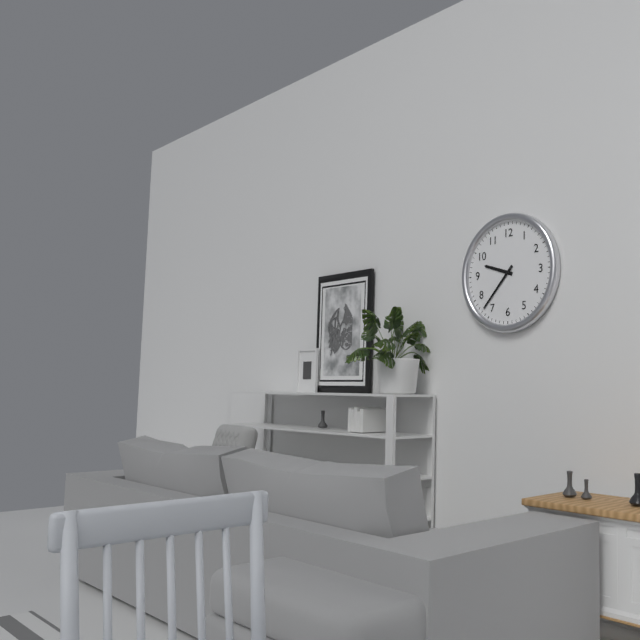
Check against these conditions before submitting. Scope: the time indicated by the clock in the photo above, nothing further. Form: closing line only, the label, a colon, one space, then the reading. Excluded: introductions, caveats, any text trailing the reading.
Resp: 9:37
